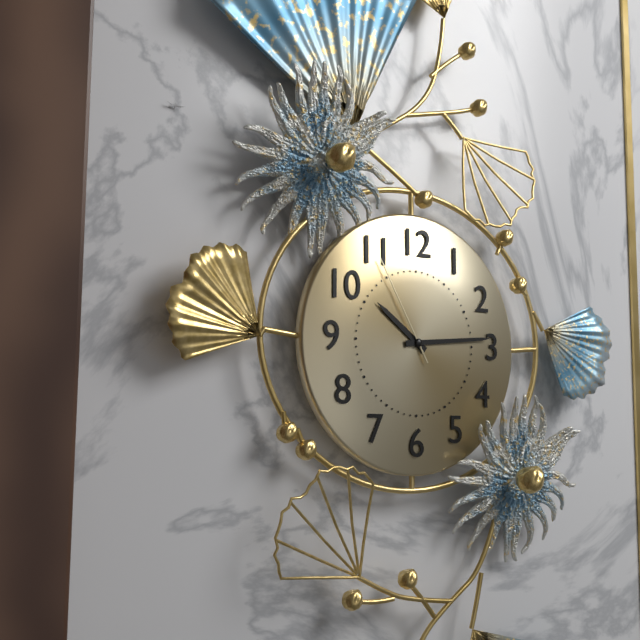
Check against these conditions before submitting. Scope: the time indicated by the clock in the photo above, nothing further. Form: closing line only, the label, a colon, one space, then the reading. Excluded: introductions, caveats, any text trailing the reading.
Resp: 10:14:55
